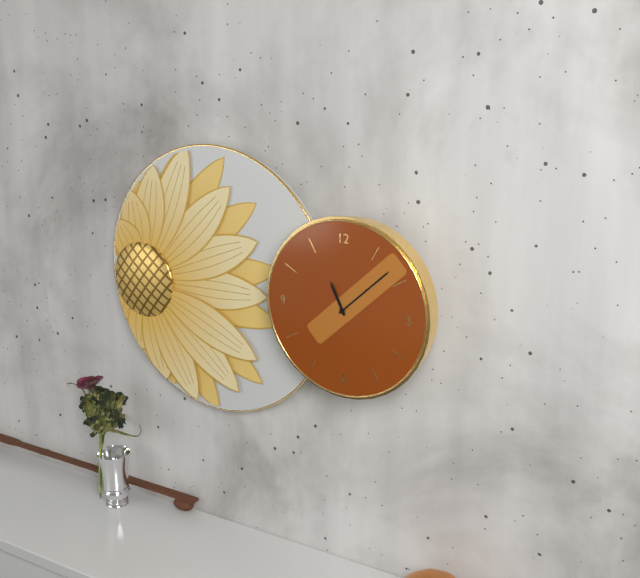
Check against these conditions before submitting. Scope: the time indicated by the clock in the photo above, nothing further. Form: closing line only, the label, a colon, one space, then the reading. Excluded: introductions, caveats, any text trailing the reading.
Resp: 11:08
